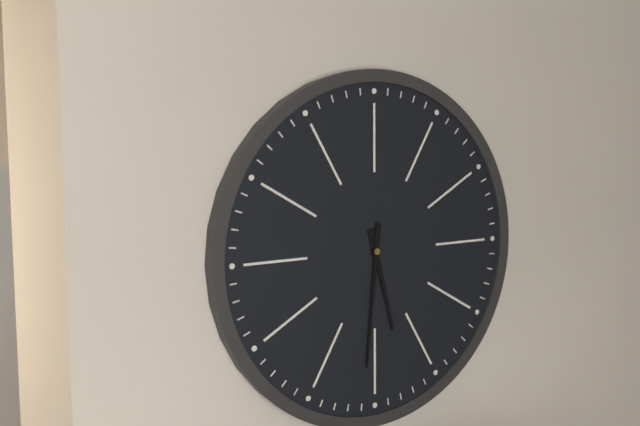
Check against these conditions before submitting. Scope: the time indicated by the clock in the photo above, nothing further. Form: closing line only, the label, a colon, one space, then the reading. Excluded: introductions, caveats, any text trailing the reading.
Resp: 5:31
